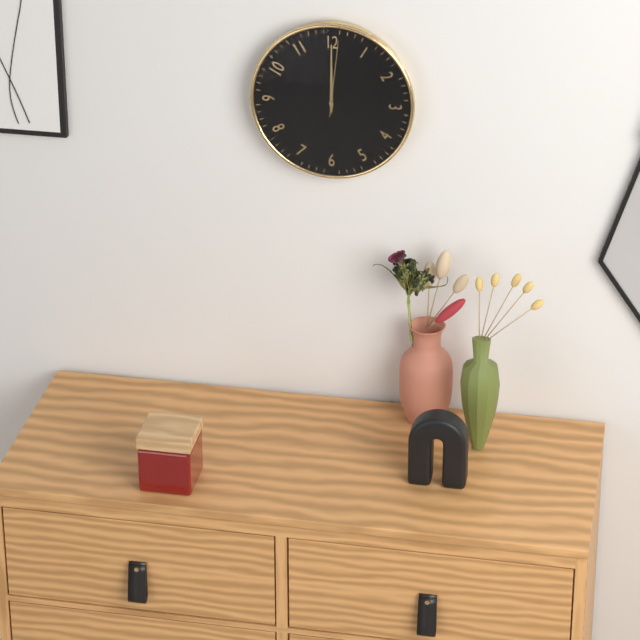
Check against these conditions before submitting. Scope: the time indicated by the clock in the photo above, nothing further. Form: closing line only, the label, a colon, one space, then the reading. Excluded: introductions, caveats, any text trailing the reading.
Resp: 12:00:01
